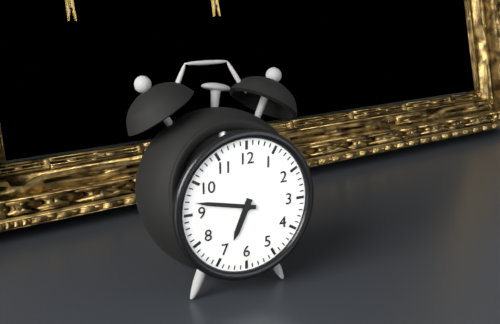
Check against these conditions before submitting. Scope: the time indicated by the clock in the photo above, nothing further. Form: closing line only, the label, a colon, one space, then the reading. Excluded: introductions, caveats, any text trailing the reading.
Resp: 6:47
